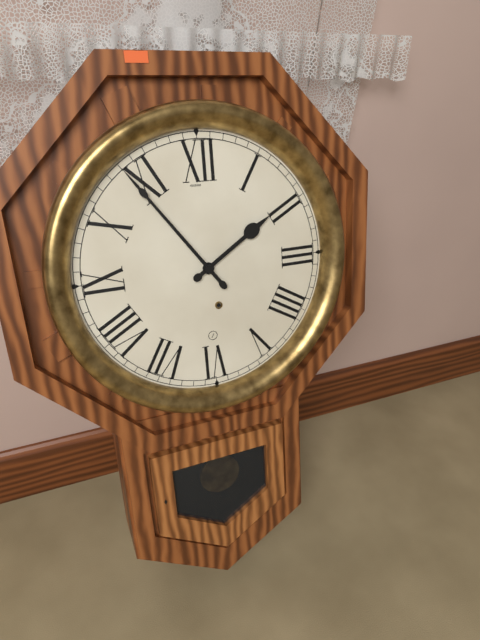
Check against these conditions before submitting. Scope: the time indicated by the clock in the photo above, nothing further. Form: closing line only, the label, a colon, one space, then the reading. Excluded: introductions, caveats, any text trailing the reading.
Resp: 1:54
